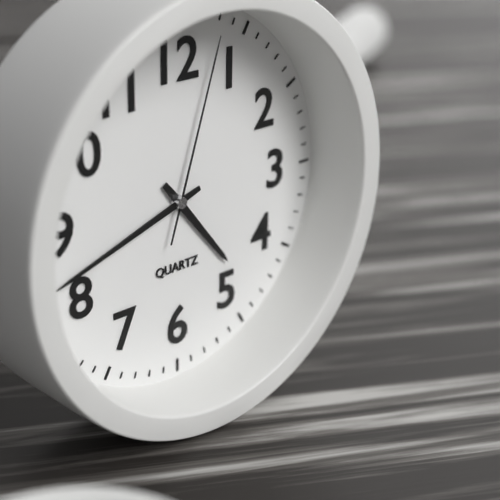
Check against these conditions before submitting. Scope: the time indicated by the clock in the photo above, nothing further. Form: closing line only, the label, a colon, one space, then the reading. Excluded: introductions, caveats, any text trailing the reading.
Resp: 4:42:03
